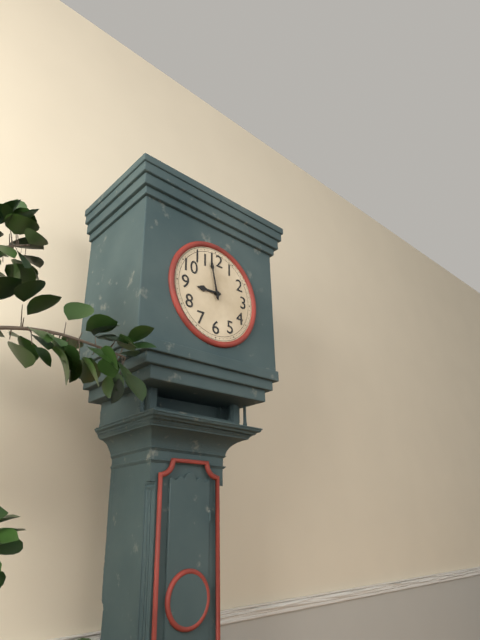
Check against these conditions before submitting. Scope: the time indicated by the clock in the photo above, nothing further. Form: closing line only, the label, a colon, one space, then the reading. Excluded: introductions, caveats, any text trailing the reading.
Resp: 8:58
